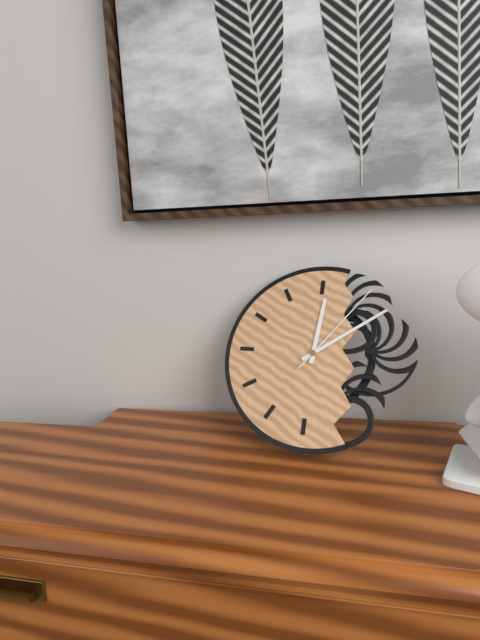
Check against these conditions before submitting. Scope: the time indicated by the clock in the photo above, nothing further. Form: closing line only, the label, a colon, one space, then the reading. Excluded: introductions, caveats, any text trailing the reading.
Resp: 12:09:06
